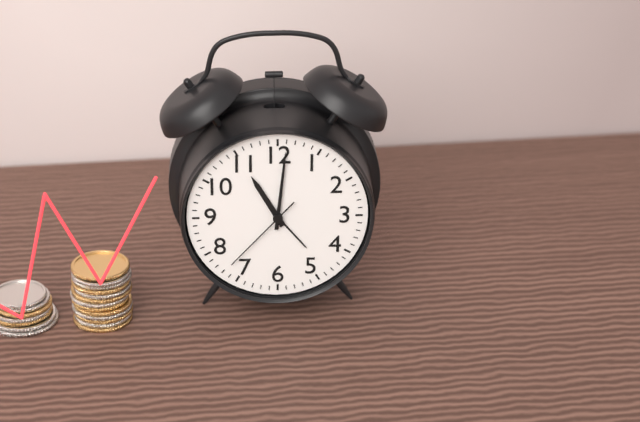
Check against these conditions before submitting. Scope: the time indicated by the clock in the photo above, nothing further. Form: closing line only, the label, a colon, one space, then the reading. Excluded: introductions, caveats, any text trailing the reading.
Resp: 11:01:37
